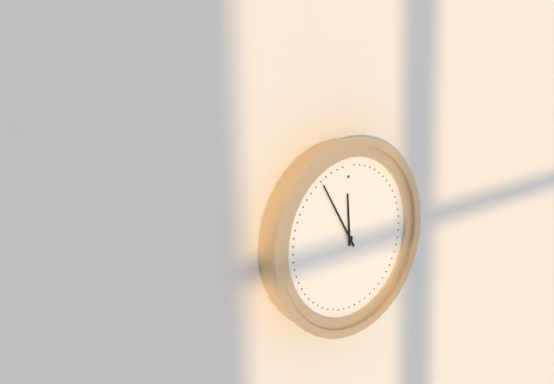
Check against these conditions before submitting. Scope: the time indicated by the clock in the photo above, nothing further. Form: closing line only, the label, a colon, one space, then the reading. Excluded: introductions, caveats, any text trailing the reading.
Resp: 11:55
